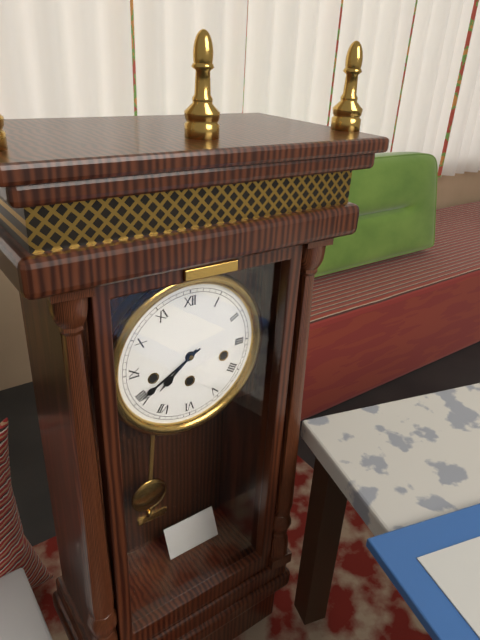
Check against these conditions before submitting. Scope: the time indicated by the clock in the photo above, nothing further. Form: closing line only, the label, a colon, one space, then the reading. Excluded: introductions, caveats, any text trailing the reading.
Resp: 7:40
